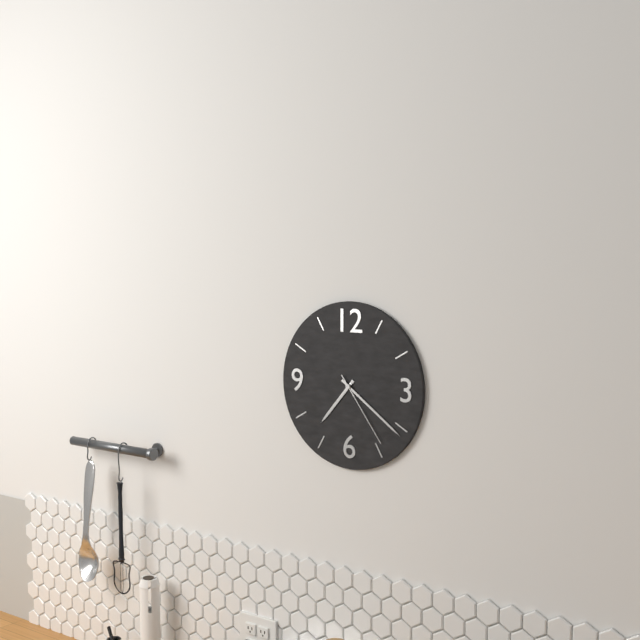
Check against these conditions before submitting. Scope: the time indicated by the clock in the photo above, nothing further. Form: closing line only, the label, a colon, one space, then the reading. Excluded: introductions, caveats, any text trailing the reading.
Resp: 7:21:24
